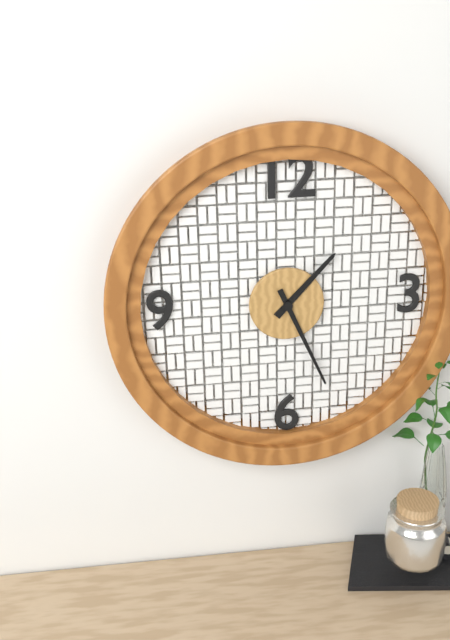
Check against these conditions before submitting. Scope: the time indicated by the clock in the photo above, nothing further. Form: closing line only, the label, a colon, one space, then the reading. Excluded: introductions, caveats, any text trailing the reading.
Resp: 1:26
